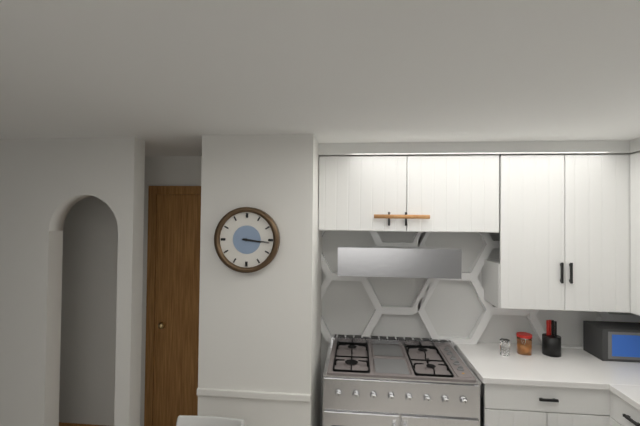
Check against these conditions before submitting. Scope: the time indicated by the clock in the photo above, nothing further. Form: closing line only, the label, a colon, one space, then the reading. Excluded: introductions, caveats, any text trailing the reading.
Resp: 3:16
